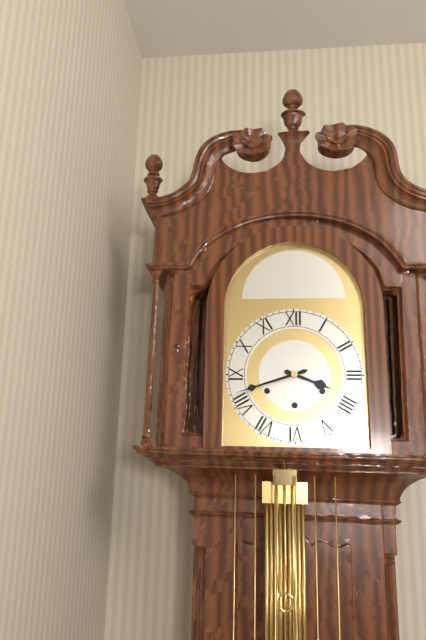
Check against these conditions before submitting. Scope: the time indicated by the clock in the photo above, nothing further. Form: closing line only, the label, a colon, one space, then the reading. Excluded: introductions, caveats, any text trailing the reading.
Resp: 3:42
